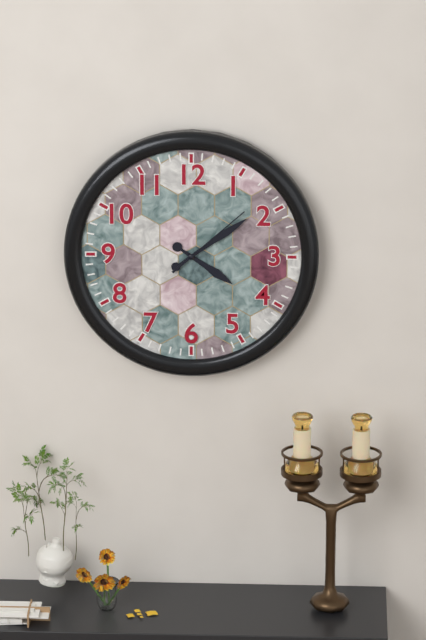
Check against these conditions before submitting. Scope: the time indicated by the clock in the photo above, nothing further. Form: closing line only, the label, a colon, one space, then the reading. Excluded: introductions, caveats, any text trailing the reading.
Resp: 4:09:08
